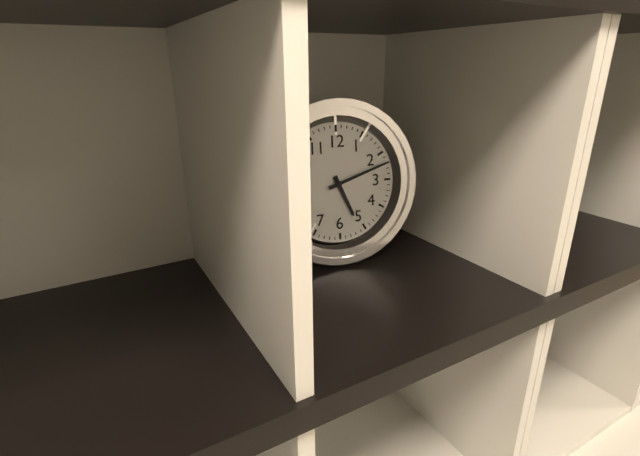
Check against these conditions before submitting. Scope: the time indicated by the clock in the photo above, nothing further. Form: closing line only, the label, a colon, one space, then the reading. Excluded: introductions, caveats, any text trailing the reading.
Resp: 5:12
